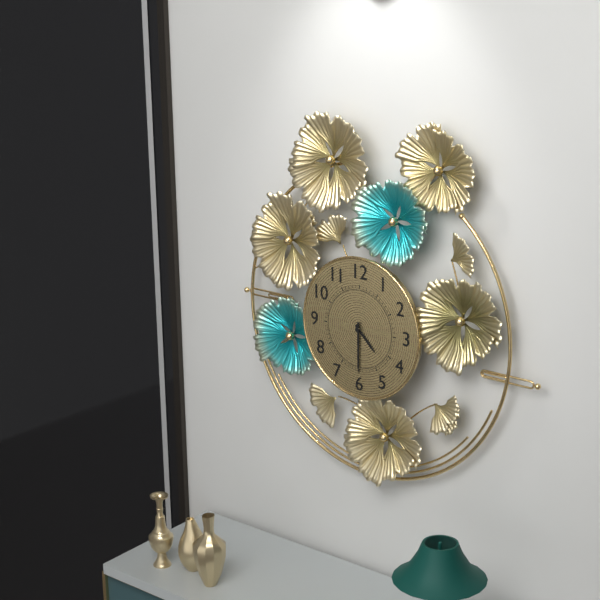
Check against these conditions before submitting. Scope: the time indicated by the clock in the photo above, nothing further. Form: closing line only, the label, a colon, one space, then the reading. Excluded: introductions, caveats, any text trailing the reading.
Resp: 4:30
